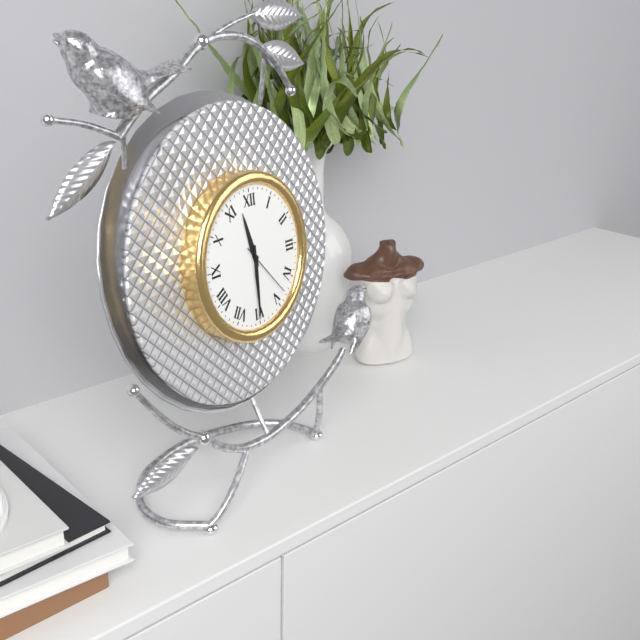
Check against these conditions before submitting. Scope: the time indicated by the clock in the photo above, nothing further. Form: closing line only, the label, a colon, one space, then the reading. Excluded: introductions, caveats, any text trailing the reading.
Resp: 11:30:23
